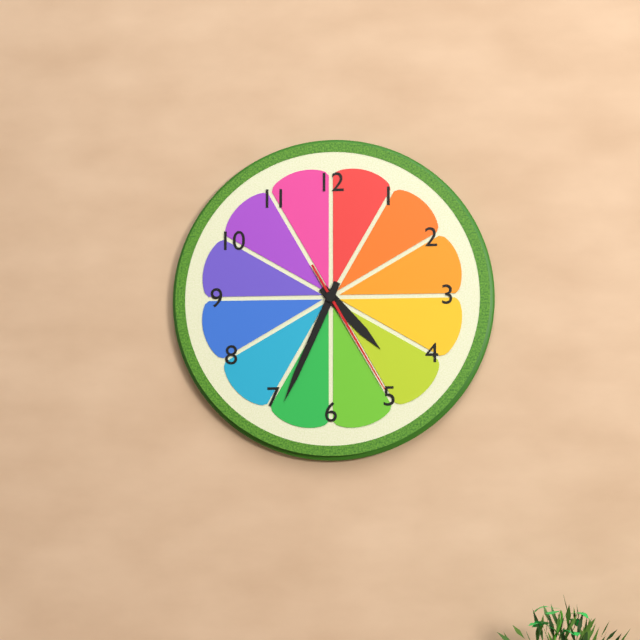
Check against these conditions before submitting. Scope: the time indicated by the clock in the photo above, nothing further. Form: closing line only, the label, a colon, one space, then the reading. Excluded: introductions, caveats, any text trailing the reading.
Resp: 4:34:25
